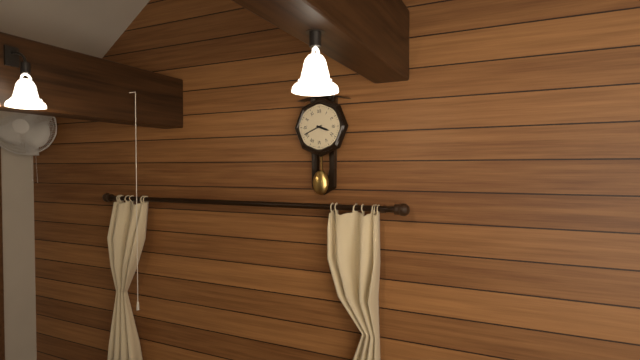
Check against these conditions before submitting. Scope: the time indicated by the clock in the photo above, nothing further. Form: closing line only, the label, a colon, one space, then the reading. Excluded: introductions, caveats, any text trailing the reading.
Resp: 3:41
